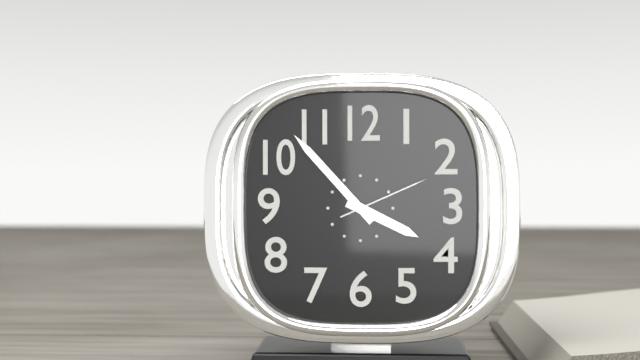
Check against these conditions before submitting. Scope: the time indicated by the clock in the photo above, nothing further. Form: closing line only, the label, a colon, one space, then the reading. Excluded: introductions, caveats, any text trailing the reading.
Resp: 3:53:11
